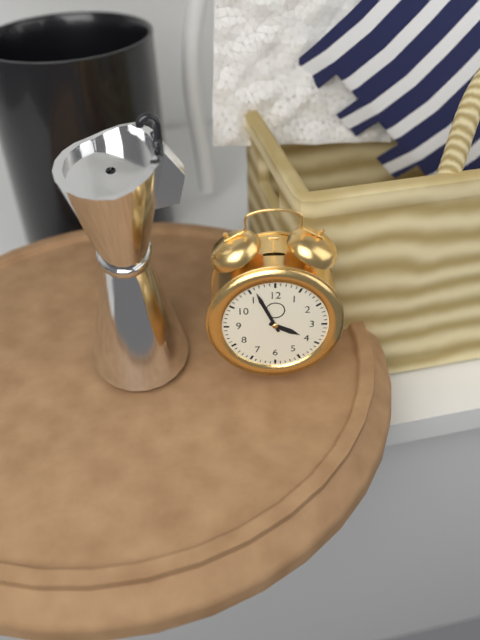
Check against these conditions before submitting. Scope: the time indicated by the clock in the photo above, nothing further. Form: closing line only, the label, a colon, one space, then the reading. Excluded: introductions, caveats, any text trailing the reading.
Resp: 3:56
